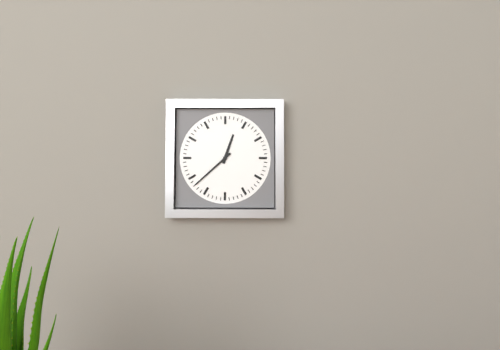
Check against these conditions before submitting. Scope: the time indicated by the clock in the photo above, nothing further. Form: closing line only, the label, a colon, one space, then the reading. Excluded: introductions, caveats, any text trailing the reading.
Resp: 12:38
